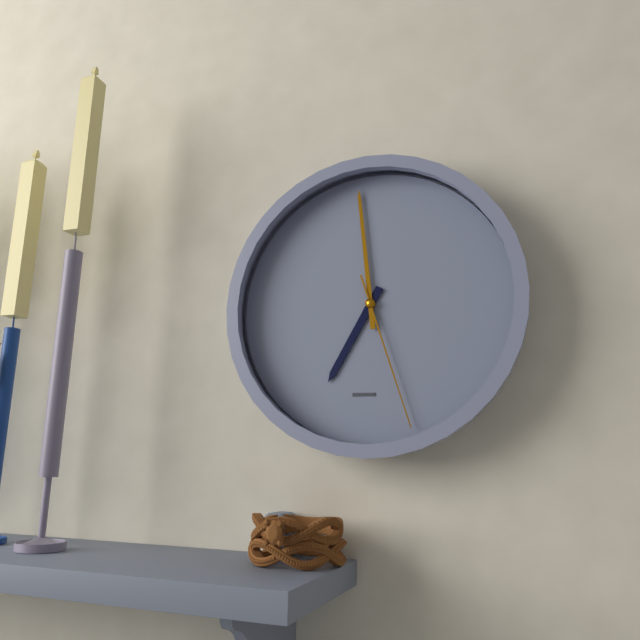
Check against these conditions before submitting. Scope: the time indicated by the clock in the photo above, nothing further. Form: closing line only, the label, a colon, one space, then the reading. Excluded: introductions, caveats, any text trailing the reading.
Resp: 6:59:27
